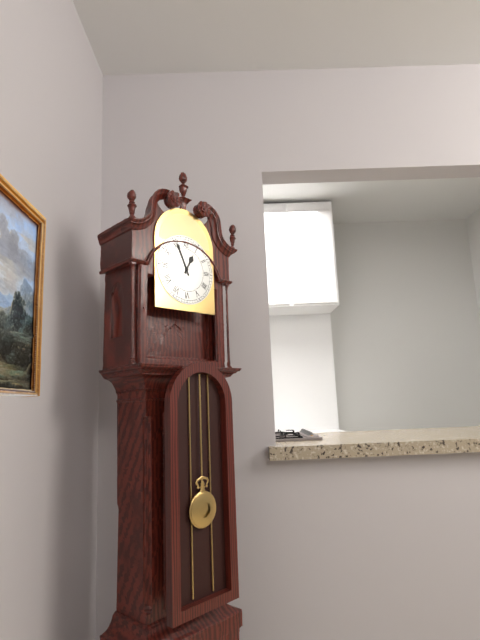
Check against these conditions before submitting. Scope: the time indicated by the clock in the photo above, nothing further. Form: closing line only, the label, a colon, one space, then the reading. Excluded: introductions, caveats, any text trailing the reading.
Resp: 12:56
